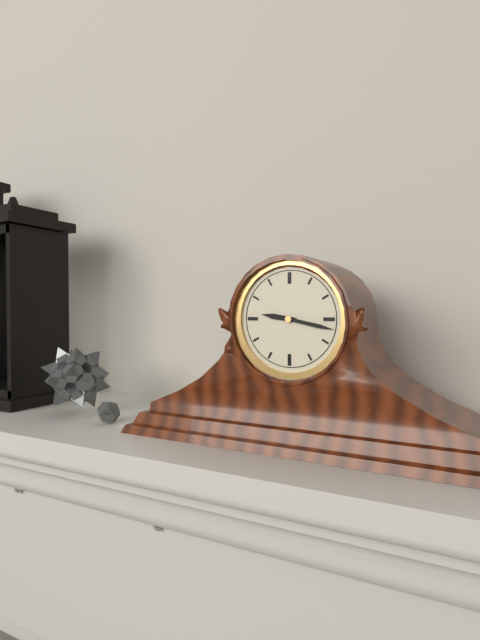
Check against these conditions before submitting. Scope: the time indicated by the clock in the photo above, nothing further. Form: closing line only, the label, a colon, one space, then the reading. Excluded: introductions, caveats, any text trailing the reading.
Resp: 9:17
